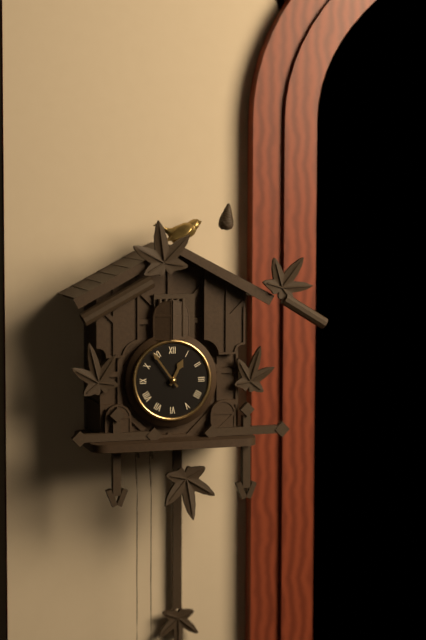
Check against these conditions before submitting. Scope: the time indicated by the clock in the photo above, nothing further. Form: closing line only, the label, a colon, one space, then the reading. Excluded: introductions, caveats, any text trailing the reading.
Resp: 12:54
